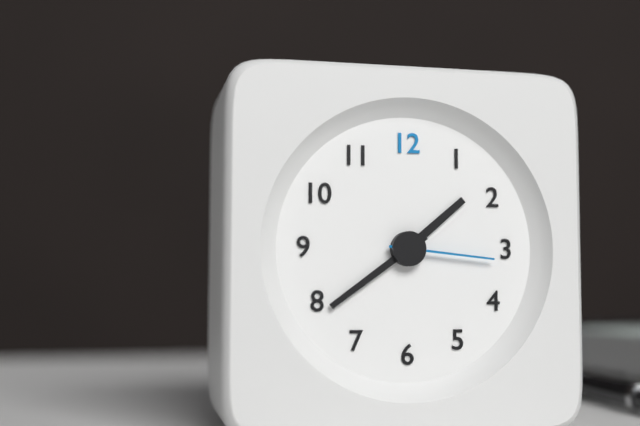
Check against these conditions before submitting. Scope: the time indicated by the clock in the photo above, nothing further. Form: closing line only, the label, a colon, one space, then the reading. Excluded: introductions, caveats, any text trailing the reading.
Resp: 1:39:16
